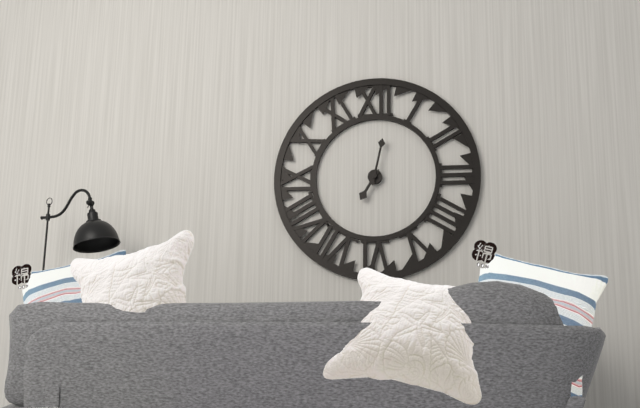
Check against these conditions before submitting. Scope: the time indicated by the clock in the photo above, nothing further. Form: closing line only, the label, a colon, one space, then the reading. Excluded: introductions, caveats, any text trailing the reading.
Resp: 7:02
